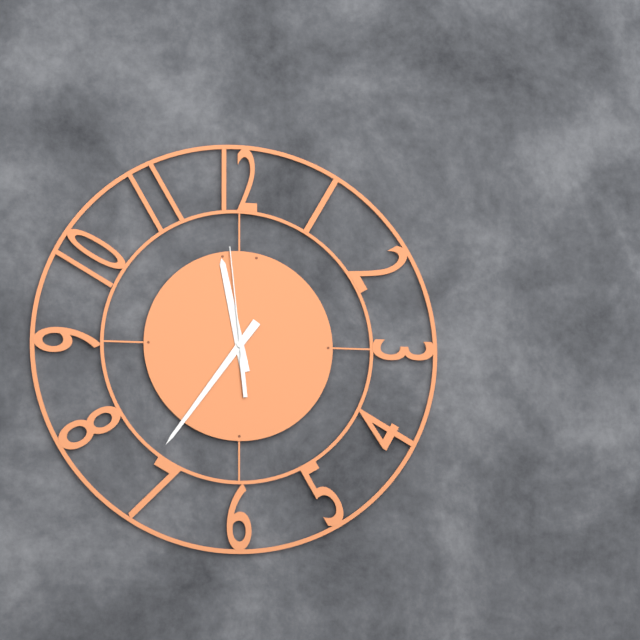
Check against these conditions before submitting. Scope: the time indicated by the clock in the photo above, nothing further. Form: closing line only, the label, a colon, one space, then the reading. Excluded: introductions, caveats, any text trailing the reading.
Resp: 11:36:59
